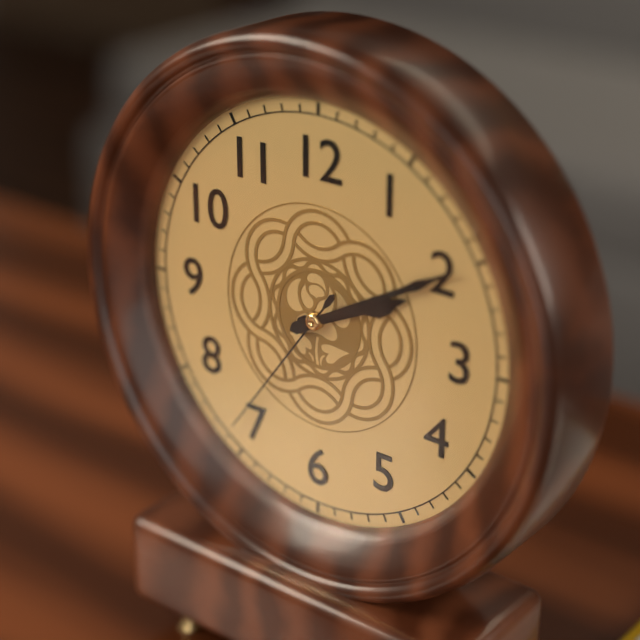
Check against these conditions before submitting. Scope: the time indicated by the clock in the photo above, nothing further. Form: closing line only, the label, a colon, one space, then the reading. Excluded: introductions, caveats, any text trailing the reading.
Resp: 2:10:36
